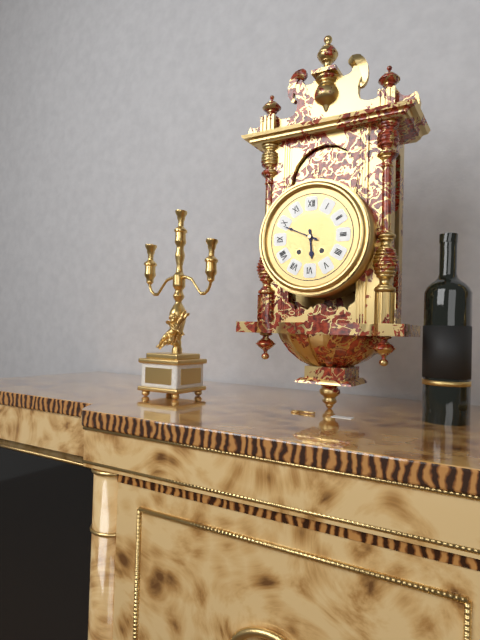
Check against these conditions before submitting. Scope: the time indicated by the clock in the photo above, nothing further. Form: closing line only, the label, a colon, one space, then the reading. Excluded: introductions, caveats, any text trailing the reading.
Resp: 5:49
